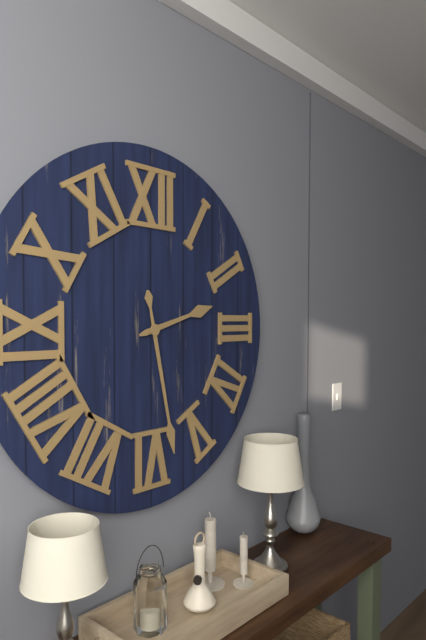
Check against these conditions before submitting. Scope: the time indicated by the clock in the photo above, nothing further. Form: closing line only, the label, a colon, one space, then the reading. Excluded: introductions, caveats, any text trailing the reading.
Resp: 2:28
